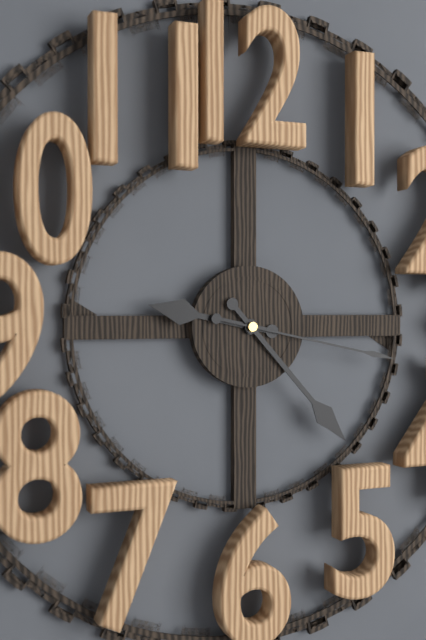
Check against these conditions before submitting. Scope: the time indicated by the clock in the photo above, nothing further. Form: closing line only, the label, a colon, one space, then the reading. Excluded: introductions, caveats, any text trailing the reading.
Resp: 9:23:17
